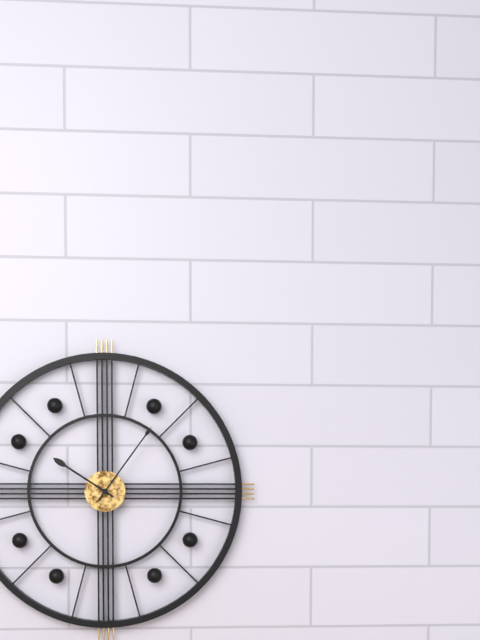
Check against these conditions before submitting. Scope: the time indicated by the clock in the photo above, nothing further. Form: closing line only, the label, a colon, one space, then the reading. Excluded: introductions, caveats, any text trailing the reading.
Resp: 10:06
